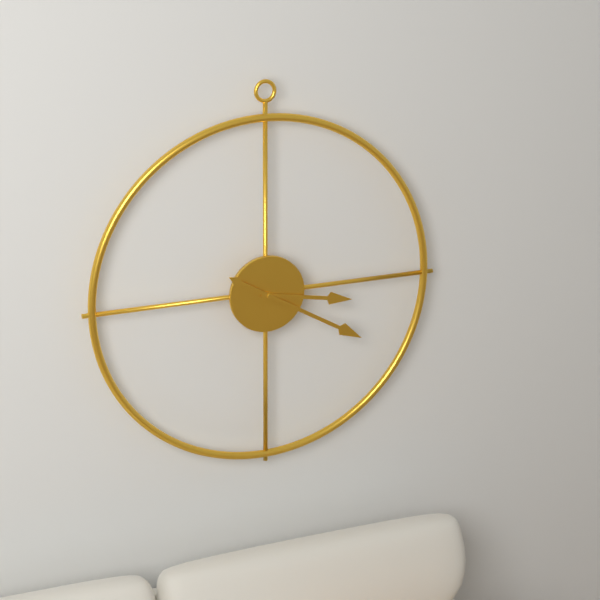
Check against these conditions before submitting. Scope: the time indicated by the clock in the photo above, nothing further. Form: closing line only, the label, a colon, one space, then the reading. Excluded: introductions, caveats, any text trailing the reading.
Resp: 3:20
